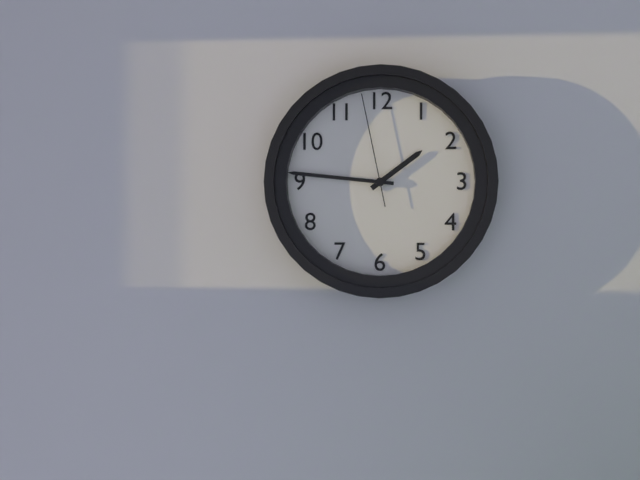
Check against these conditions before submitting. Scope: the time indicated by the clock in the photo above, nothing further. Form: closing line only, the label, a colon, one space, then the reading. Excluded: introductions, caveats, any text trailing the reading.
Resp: 1:46:58
